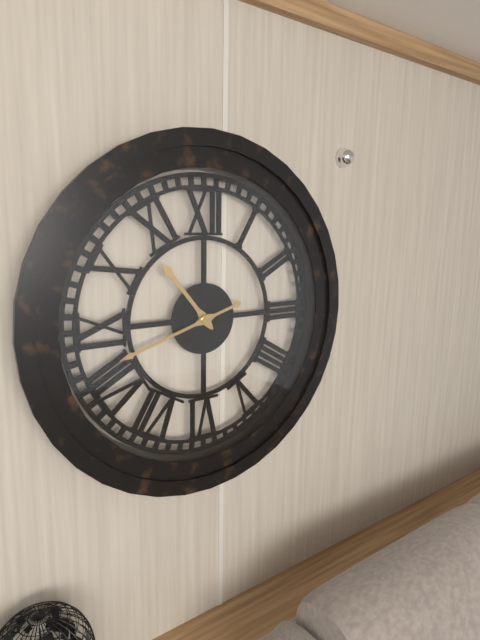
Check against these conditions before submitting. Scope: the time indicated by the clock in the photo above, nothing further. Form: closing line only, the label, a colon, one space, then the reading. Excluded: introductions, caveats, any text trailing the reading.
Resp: 10:42
